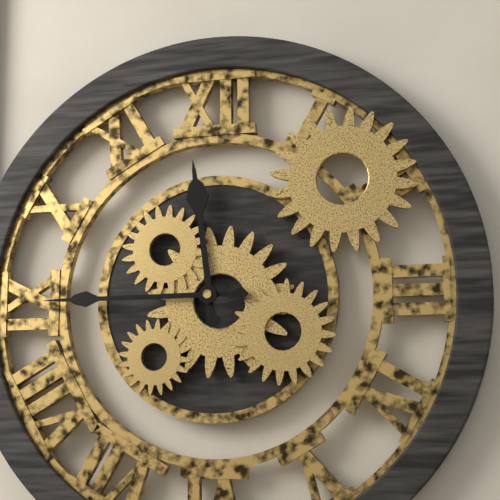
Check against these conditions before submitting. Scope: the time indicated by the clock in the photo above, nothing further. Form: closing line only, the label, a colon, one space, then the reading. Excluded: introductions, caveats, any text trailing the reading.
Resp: 11:45
